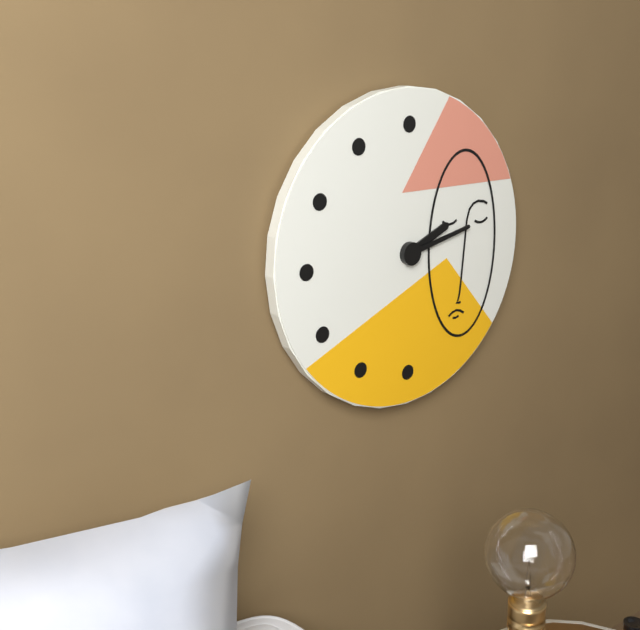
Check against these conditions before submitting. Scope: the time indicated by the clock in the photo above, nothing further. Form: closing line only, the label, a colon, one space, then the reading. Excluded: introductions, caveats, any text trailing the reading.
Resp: 2:13
